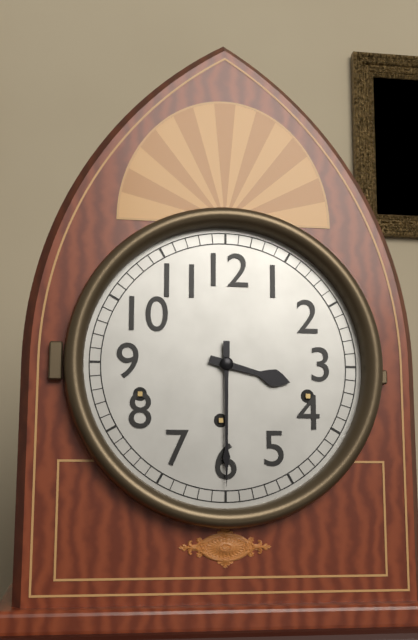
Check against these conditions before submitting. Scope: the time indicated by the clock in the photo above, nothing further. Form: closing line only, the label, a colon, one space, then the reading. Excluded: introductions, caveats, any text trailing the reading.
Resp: 3:30
